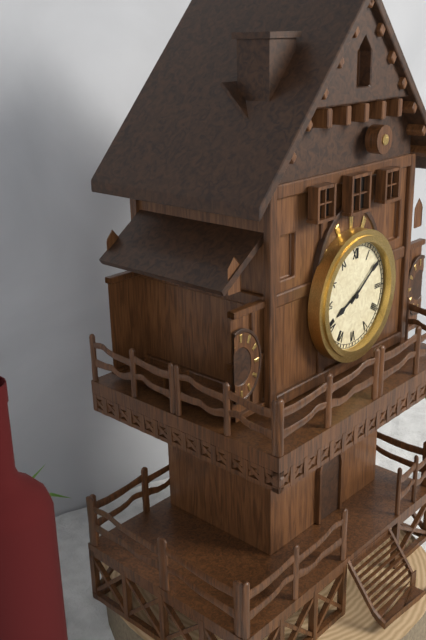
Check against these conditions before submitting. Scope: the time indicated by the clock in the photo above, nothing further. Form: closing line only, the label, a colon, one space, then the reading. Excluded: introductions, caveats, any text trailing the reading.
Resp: 8:09
